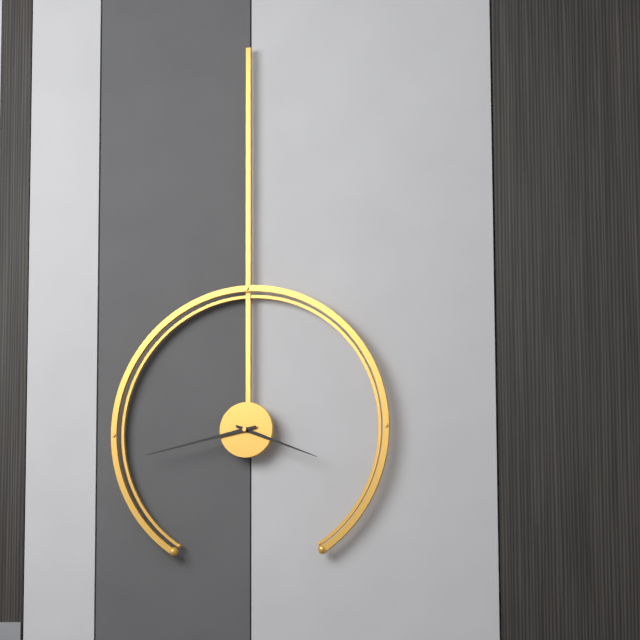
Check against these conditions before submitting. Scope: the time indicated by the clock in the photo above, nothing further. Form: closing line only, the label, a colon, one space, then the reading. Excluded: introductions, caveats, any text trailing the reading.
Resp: 3:43
